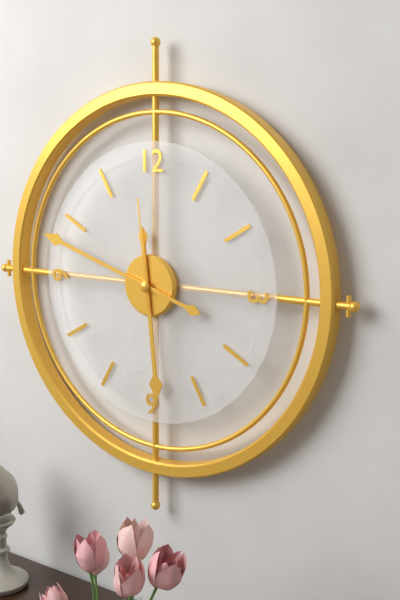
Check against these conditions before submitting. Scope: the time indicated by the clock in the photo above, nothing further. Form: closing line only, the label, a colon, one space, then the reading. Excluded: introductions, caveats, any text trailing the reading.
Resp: 5:48:59
